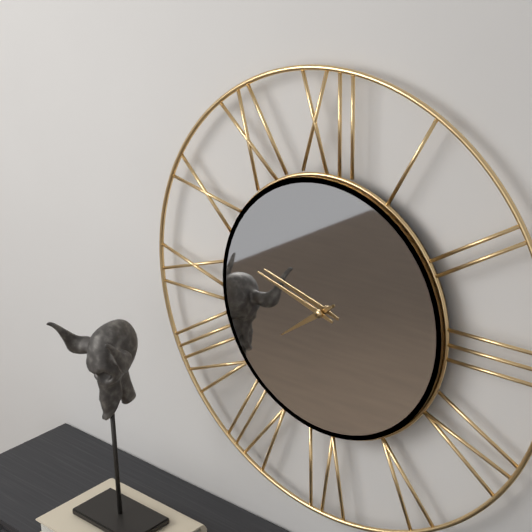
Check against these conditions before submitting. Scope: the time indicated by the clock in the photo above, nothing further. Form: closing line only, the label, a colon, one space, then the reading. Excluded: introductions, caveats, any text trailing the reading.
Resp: 7:48
